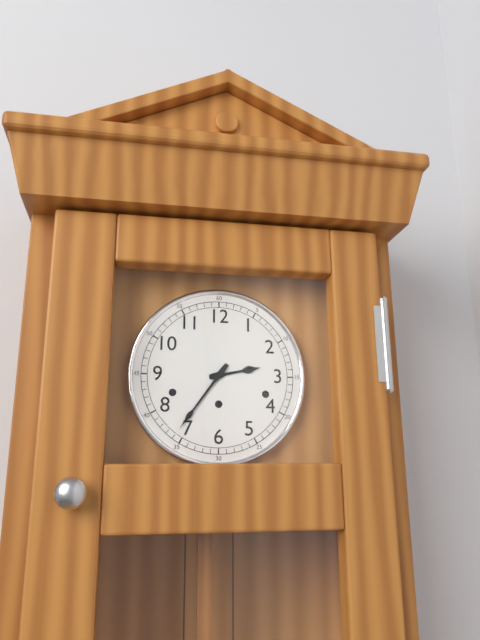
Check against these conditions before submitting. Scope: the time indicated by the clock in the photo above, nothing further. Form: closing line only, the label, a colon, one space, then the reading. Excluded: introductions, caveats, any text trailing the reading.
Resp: 2:36
